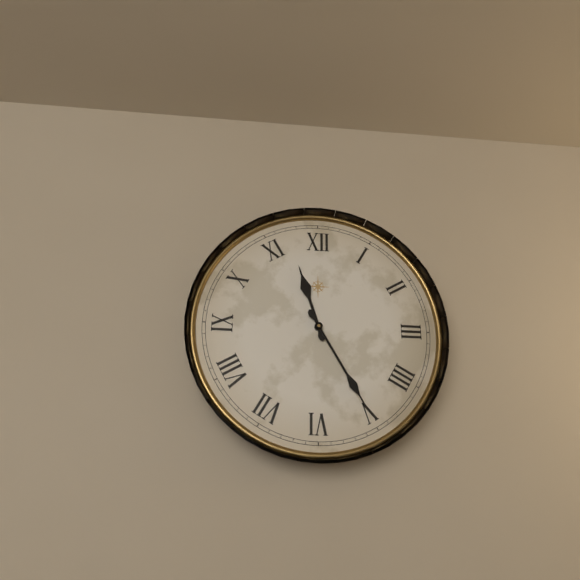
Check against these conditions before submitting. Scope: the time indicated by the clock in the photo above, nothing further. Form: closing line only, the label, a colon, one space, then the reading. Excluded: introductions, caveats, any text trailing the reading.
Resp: 11:25
